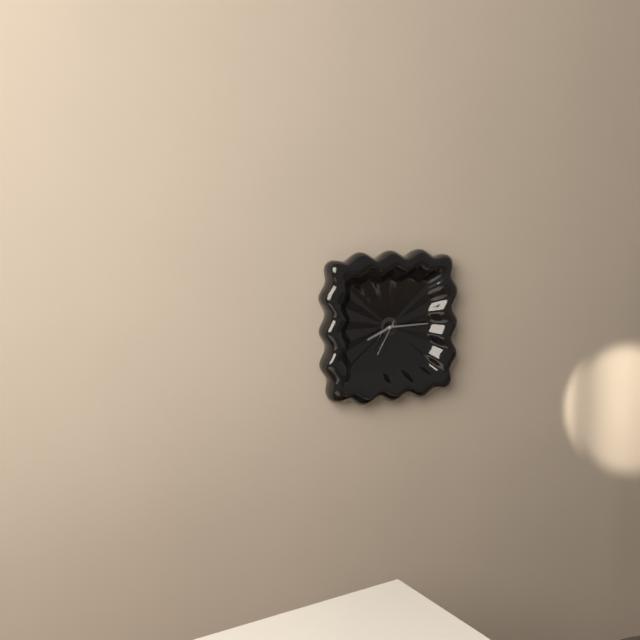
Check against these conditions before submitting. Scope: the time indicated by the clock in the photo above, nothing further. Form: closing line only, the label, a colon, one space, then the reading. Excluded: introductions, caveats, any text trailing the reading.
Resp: 8:15
